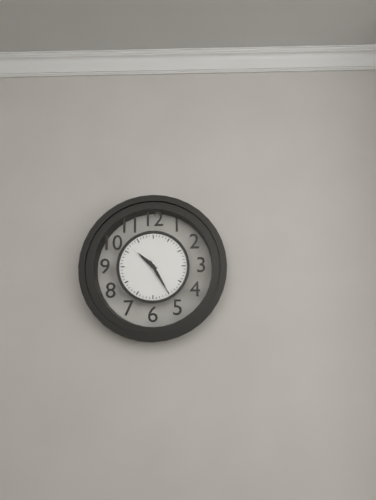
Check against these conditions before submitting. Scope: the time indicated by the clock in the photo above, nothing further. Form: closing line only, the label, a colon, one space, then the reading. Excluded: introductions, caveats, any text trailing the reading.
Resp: 10:25
